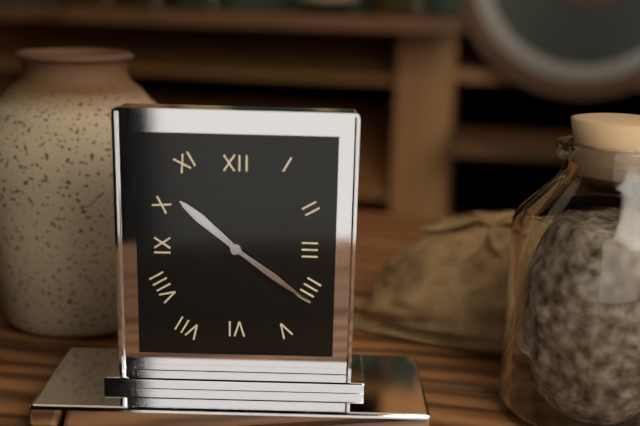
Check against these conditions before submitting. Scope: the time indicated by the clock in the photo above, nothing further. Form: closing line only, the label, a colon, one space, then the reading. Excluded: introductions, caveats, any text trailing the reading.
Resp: 10:21
